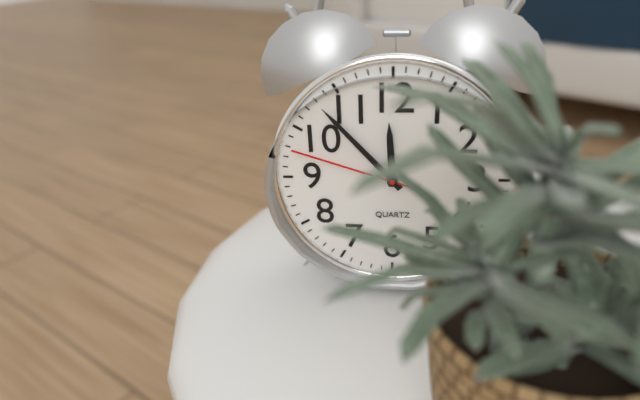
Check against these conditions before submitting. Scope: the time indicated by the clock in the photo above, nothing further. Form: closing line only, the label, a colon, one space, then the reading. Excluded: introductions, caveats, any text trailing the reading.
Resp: 11:53:48
